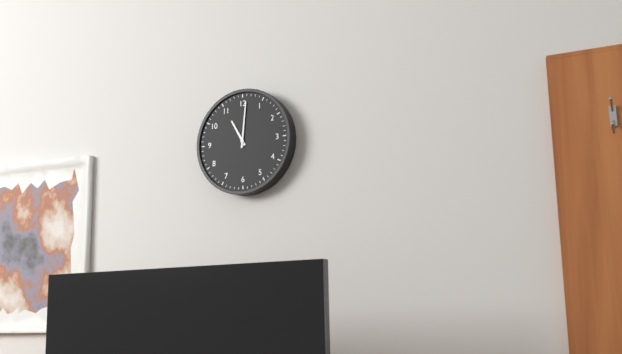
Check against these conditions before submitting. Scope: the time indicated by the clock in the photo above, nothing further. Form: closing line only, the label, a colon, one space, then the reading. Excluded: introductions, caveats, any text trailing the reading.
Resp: 11:01
